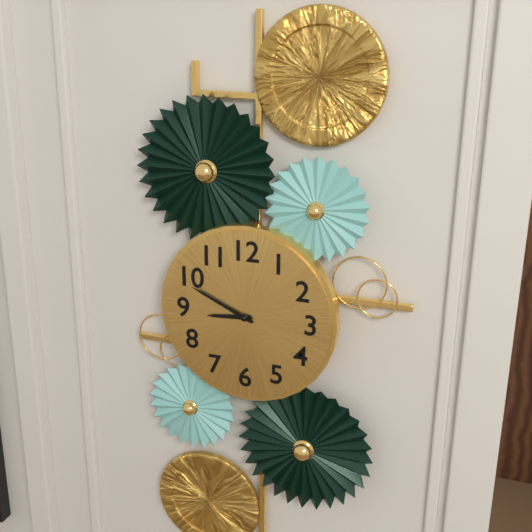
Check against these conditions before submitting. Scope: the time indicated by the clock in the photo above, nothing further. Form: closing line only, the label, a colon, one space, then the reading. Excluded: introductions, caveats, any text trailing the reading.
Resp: 8:49
